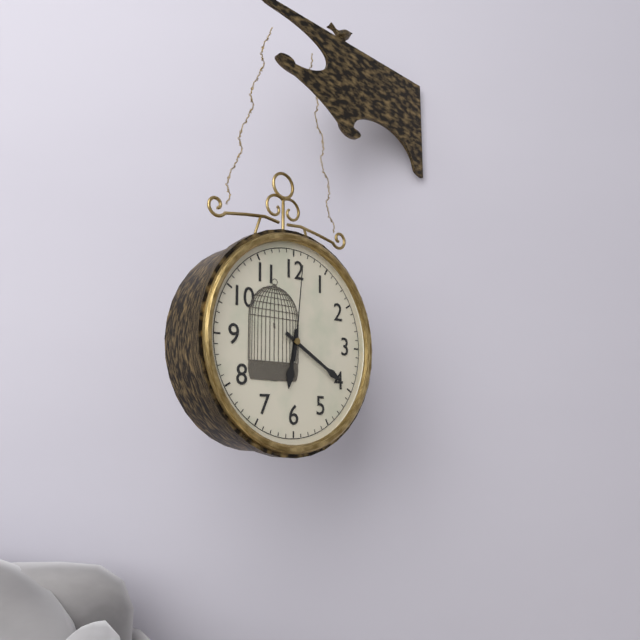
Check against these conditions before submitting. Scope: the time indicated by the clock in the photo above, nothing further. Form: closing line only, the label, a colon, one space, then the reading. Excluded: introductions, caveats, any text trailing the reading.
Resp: 6:20:01
